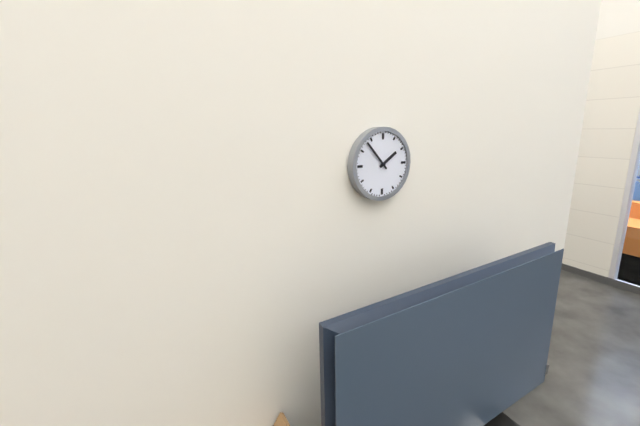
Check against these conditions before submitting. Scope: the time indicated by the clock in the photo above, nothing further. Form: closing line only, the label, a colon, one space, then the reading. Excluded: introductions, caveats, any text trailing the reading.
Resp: 1:53
